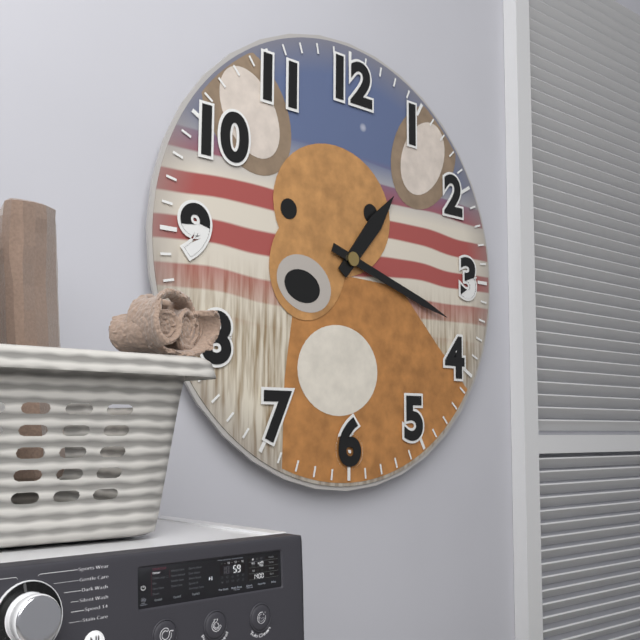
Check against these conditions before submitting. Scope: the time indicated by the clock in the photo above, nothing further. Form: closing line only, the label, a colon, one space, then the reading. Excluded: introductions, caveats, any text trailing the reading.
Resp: 1:18
